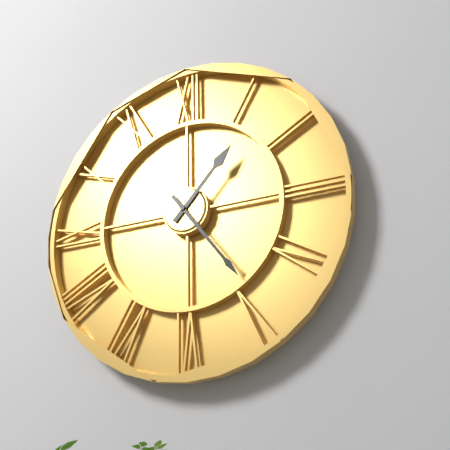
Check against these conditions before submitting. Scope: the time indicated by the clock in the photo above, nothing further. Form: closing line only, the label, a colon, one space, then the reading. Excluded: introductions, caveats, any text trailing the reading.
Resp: 1:24
